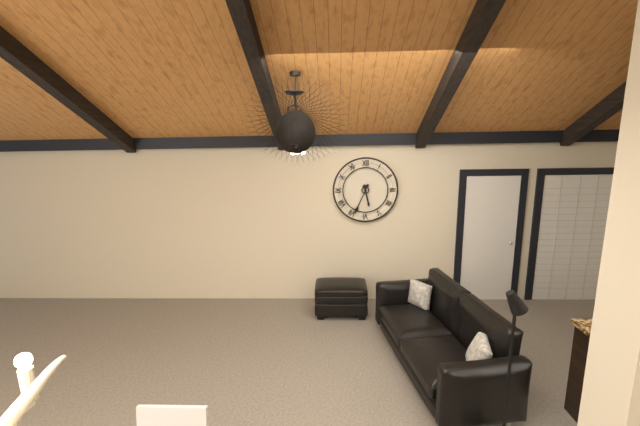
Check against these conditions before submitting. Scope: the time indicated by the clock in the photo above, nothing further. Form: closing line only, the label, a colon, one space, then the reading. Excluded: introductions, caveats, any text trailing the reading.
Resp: 5:34
